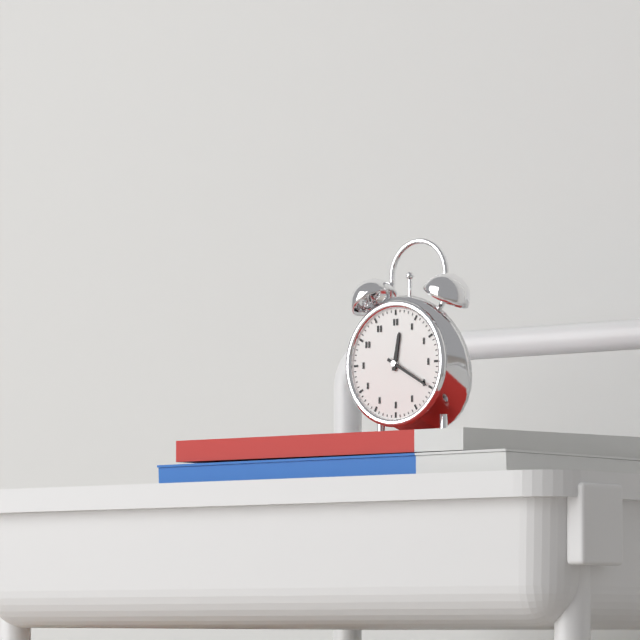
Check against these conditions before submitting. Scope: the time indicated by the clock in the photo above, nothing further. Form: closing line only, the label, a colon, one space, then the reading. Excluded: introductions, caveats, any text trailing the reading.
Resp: 12:20
